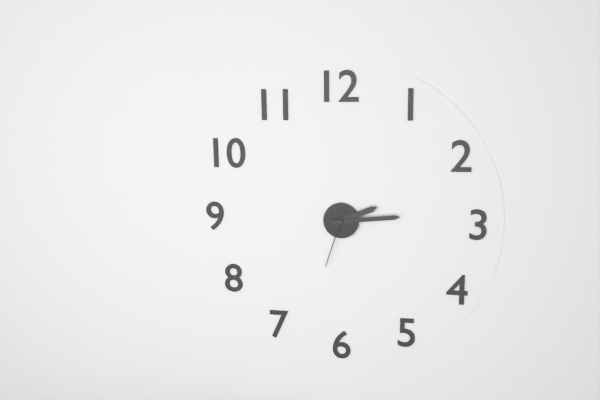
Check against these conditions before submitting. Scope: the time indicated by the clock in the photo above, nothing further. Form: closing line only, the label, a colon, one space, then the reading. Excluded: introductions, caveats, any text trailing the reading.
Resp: 2:14:33
